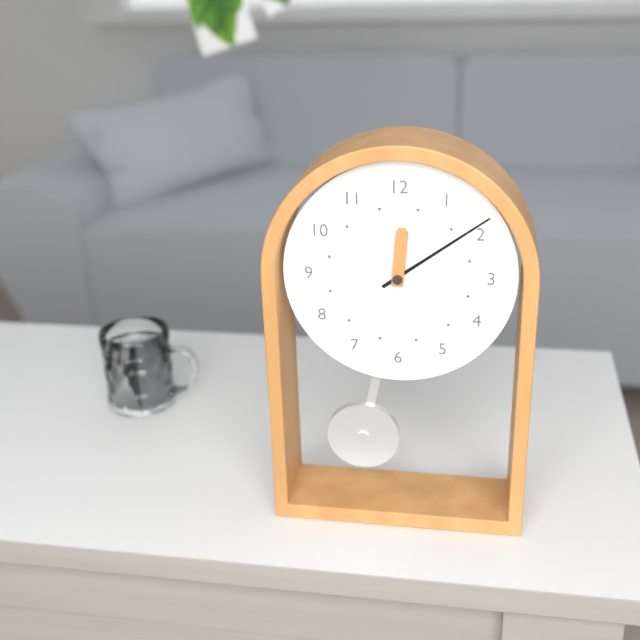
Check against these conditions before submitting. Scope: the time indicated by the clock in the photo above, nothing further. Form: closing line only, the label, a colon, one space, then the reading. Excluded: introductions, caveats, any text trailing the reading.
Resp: 12:09
